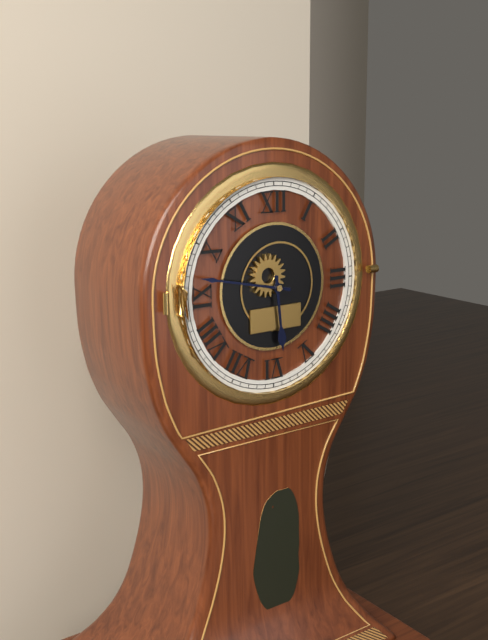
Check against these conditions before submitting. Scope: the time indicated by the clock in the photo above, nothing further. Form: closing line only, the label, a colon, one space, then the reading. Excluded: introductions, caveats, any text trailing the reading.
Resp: 5:47
